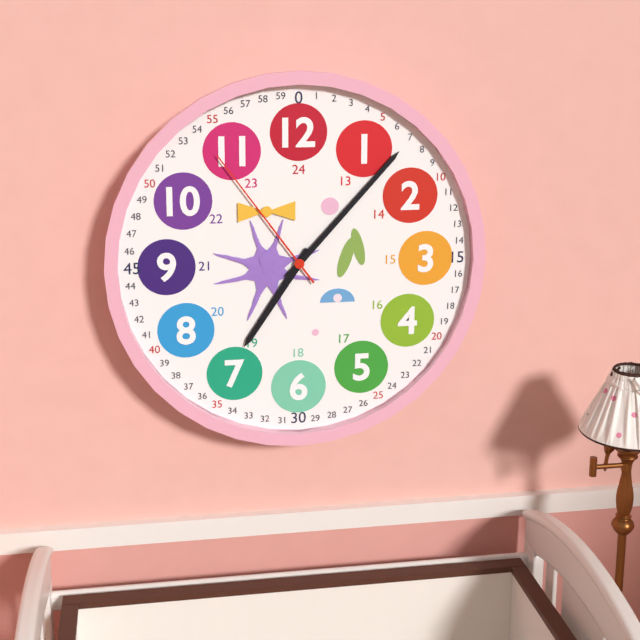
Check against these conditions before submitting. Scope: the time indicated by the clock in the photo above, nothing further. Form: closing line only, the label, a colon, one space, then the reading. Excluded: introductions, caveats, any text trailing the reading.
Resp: 7:07:54
